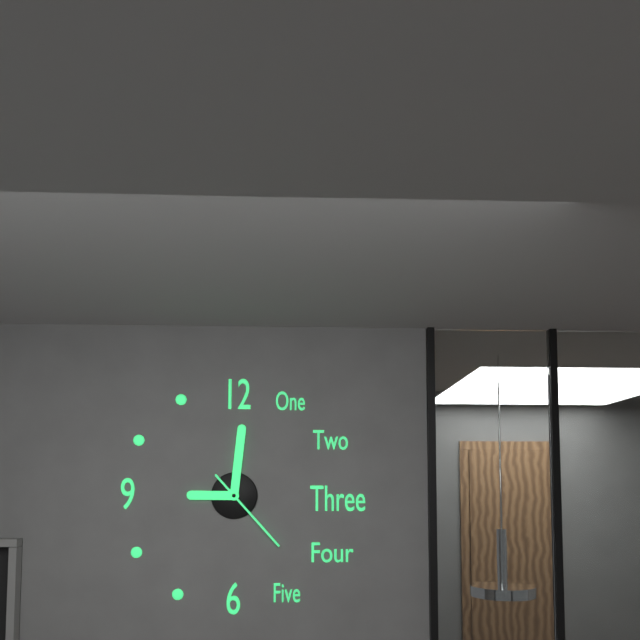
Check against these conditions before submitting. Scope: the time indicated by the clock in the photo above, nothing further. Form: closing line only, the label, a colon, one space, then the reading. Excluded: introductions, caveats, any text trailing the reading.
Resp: 9:01:23
